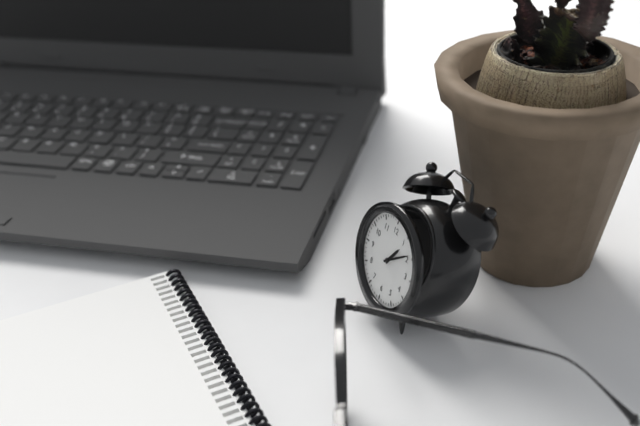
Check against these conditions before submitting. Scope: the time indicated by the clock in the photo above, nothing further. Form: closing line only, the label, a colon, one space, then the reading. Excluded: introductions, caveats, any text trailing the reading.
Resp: 1:09
